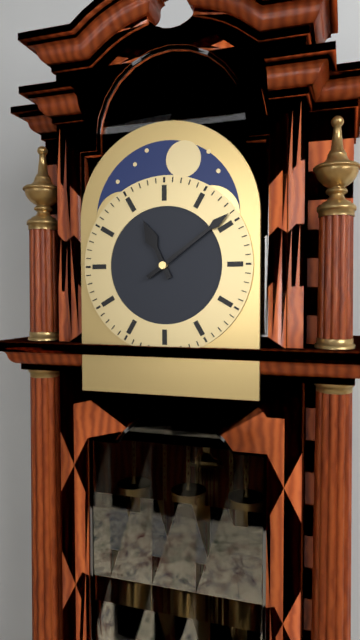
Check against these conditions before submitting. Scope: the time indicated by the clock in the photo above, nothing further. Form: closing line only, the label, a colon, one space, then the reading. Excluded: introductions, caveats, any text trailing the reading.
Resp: 11:09
